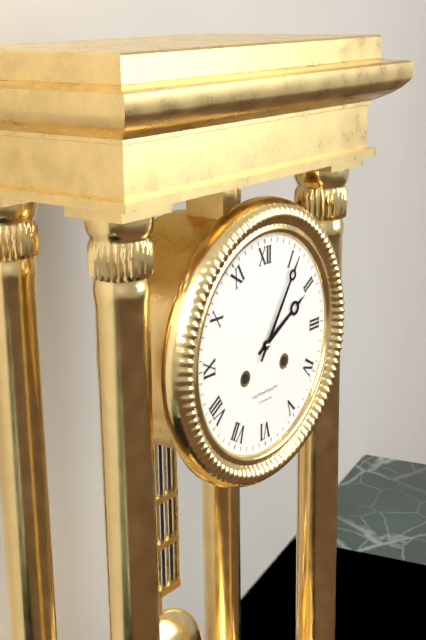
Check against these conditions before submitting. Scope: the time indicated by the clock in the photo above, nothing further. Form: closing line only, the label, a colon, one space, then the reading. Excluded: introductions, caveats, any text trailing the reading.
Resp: 2:06
